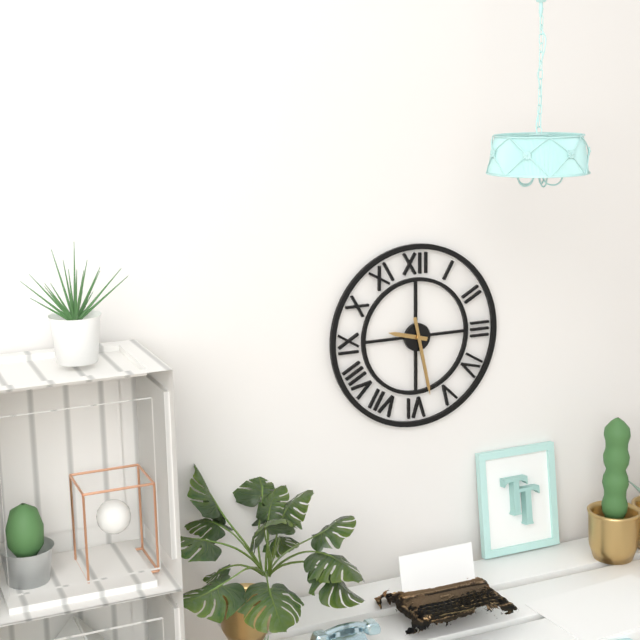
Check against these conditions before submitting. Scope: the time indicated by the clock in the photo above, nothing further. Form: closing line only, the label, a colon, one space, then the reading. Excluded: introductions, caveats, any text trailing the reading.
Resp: 9:28
